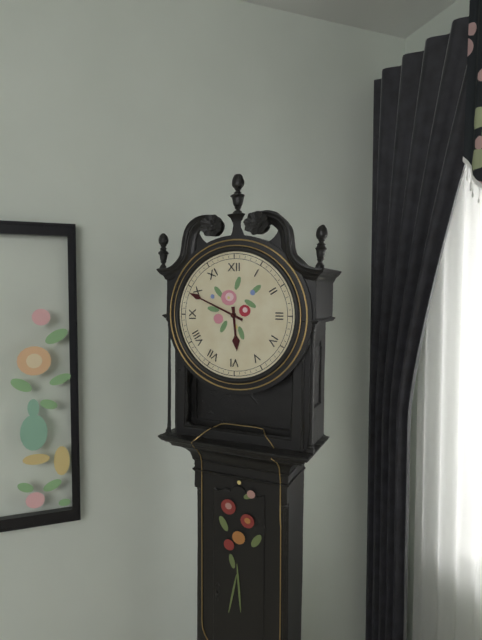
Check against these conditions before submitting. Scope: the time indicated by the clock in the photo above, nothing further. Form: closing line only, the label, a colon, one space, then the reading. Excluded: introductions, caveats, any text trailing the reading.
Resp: 5:49
